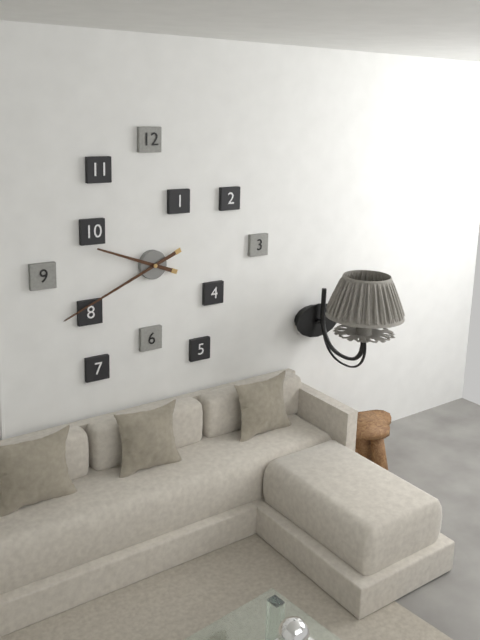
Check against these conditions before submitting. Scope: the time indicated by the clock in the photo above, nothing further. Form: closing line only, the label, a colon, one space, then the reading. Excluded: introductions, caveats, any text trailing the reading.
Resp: 9:41
